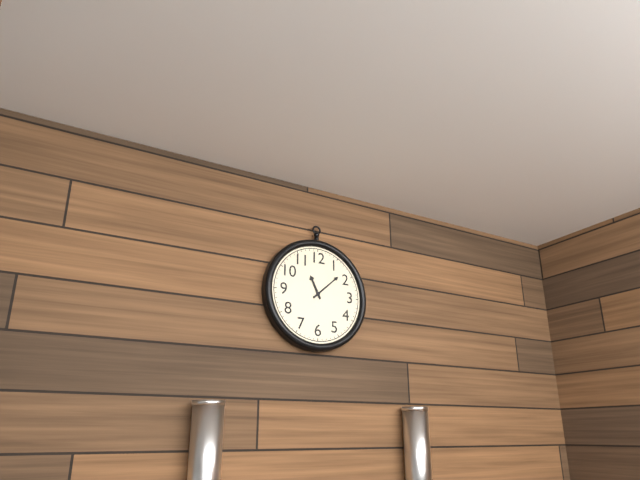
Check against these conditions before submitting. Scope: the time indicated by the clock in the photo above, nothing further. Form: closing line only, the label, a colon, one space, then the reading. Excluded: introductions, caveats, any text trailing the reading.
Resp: 11:08
